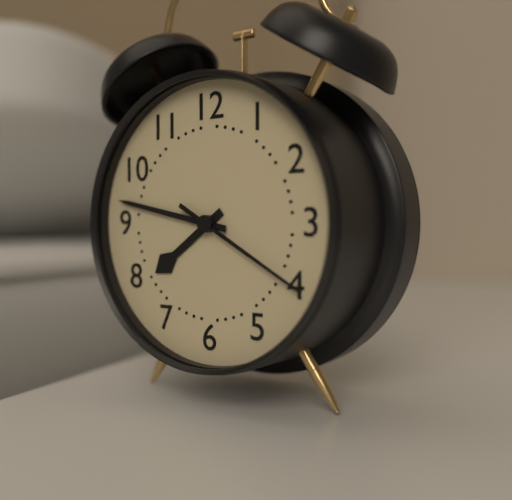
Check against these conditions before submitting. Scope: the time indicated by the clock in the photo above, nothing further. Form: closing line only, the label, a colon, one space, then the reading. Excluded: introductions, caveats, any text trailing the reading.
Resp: 7:47:20
